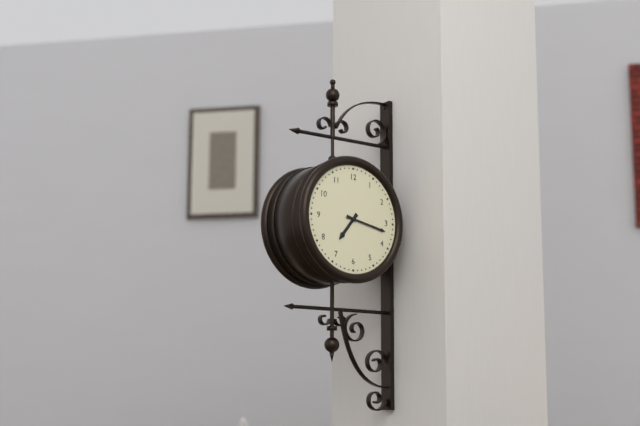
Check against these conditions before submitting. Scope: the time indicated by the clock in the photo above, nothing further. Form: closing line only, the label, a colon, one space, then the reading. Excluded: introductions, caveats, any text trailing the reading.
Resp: 7:17
